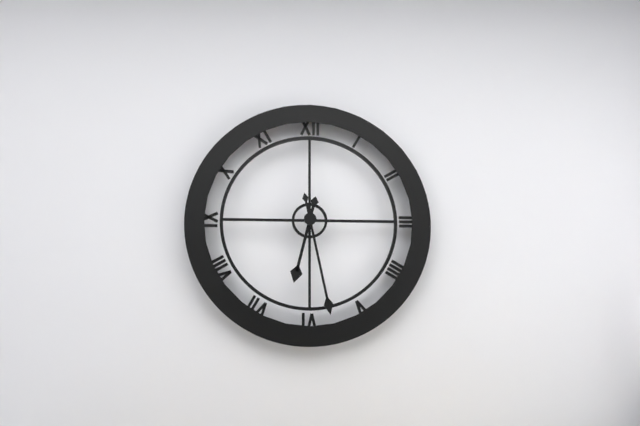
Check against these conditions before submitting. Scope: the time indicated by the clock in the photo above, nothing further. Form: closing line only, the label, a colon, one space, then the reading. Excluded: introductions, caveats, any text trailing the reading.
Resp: 6:28
